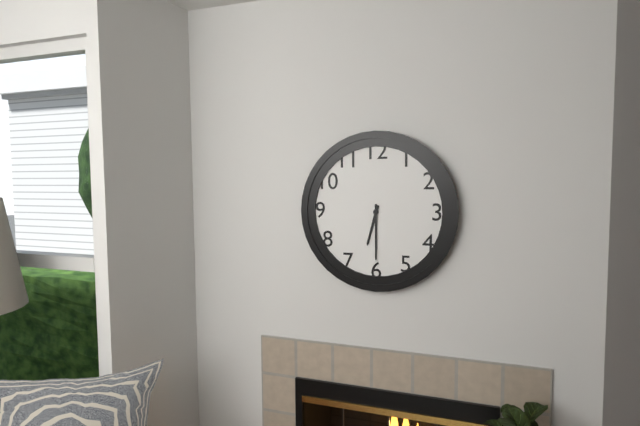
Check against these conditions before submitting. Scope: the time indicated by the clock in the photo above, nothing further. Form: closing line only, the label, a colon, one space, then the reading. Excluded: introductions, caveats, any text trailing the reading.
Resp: 6:30
